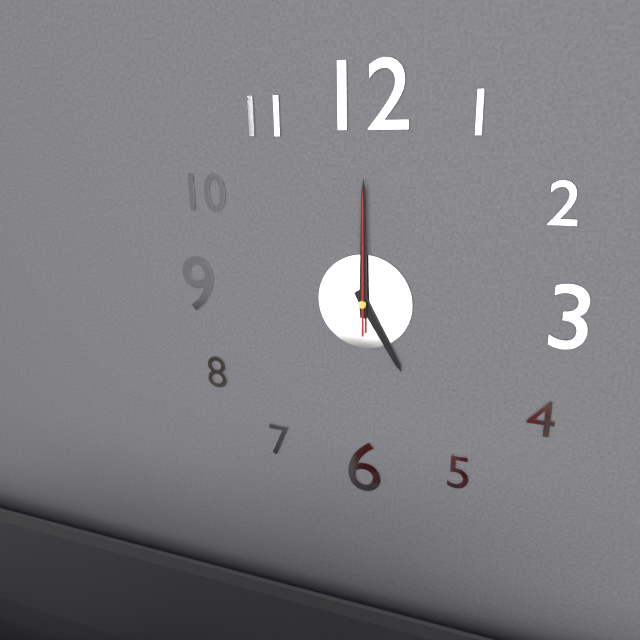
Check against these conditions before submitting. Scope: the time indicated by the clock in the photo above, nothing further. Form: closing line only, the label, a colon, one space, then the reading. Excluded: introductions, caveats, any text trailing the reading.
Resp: 5:00:00
